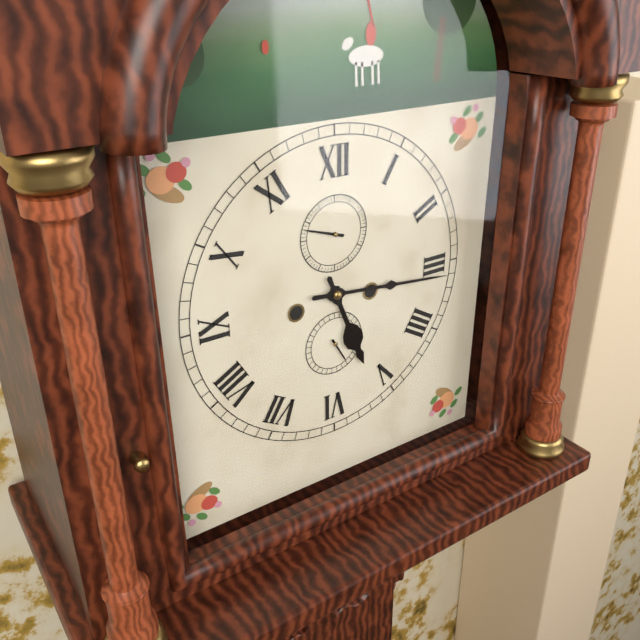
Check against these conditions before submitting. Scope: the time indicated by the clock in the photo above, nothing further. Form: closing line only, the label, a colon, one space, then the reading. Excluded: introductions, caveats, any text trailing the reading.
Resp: 5:16
